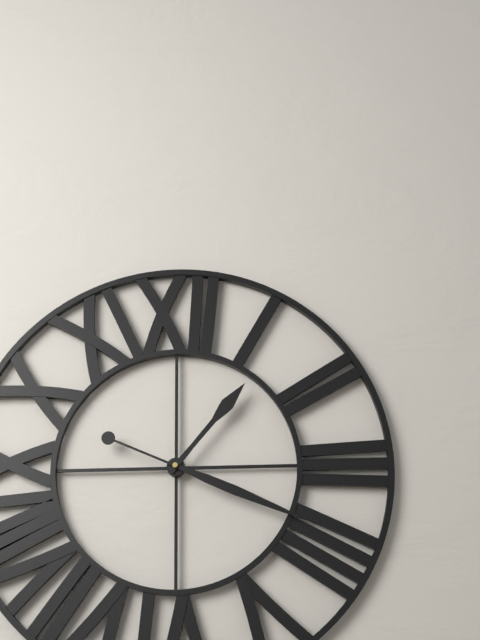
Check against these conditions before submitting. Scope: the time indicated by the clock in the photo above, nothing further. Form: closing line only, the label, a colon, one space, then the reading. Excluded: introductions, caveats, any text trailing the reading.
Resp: 1:19
